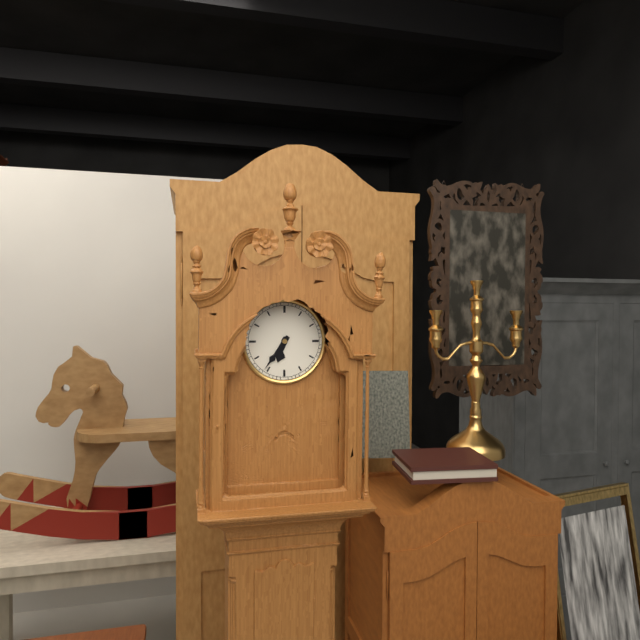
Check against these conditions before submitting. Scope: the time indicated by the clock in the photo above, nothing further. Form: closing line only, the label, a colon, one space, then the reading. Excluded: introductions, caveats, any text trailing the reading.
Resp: 6:36
